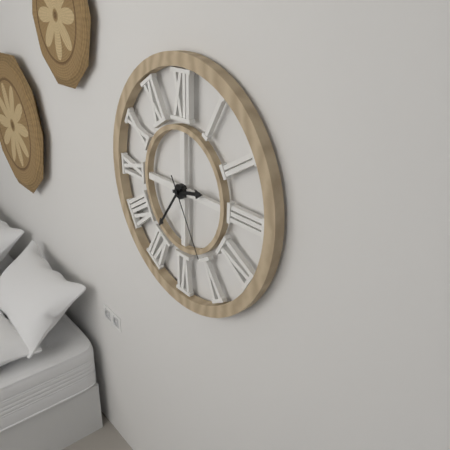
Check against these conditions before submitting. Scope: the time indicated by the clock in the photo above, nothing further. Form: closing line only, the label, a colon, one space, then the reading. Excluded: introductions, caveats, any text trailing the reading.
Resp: 2:36:25
